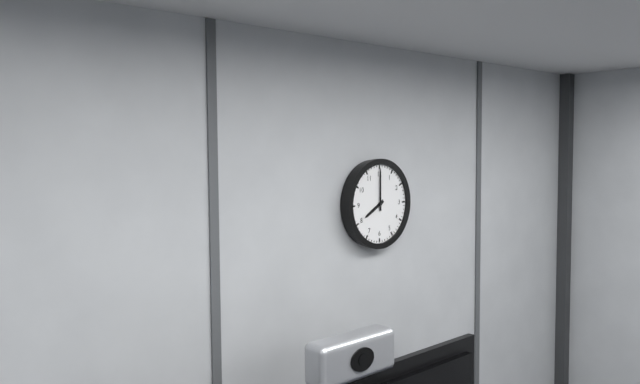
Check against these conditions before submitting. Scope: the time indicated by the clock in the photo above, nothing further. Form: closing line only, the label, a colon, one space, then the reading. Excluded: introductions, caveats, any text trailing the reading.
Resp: 8:00
